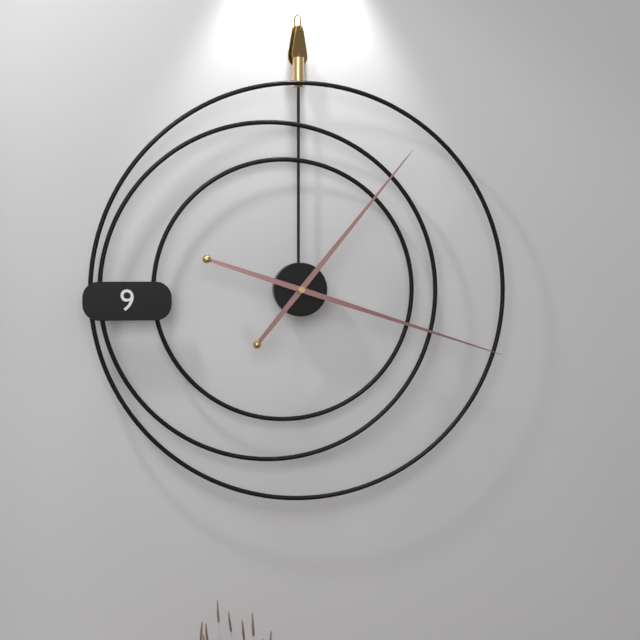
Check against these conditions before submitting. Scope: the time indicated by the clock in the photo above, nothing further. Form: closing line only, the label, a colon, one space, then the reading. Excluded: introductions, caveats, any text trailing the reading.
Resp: 1:18
